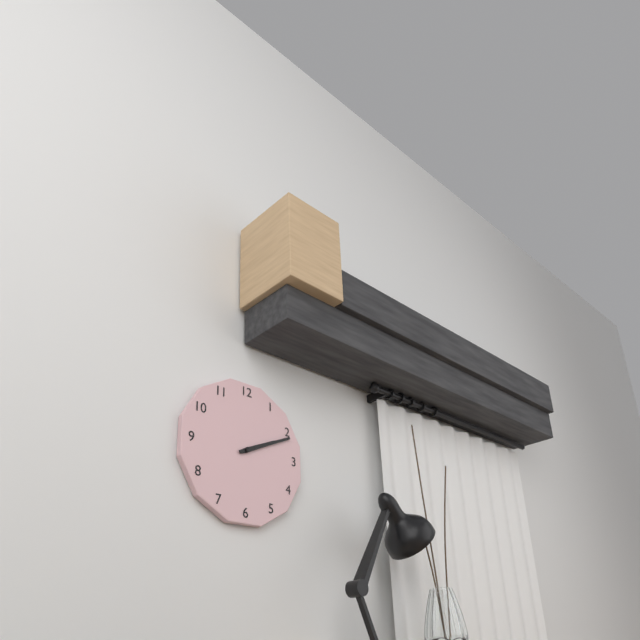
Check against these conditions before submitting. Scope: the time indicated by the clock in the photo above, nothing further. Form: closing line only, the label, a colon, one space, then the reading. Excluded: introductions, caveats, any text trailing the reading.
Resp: 2:11
